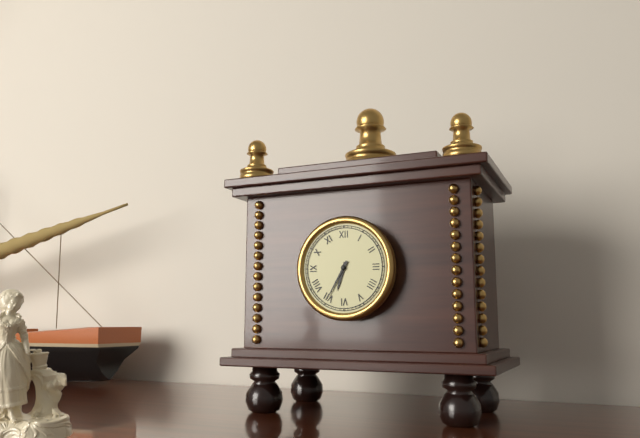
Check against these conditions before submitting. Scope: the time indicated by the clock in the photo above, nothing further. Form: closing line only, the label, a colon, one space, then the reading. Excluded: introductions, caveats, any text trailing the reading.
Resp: 6:35
